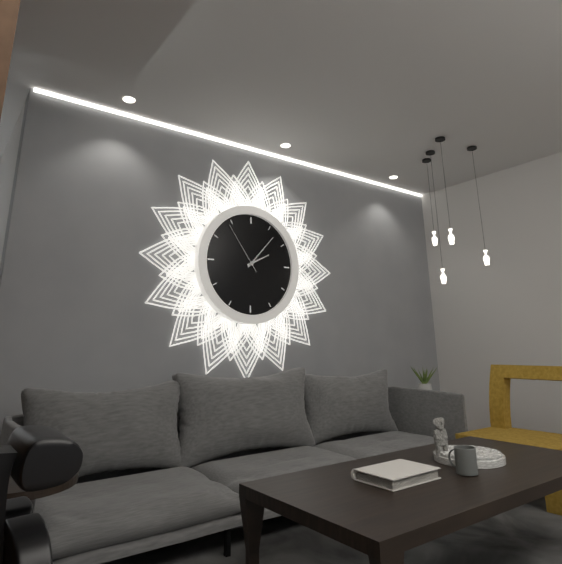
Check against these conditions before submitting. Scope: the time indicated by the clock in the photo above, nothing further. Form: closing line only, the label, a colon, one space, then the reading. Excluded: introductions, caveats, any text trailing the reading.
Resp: 2:07:54
